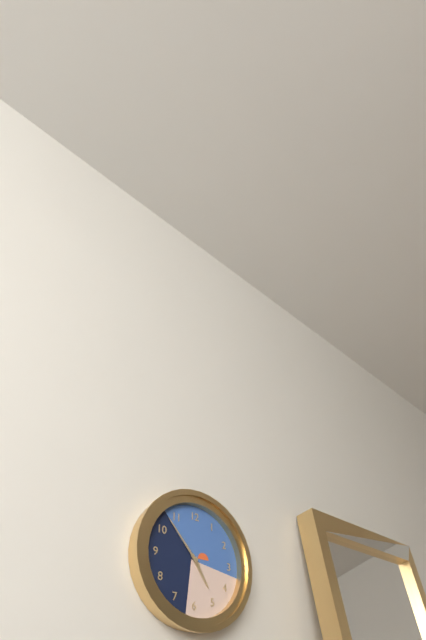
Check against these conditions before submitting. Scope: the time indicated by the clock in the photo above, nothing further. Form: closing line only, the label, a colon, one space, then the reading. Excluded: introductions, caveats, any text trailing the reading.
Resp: 4:53
